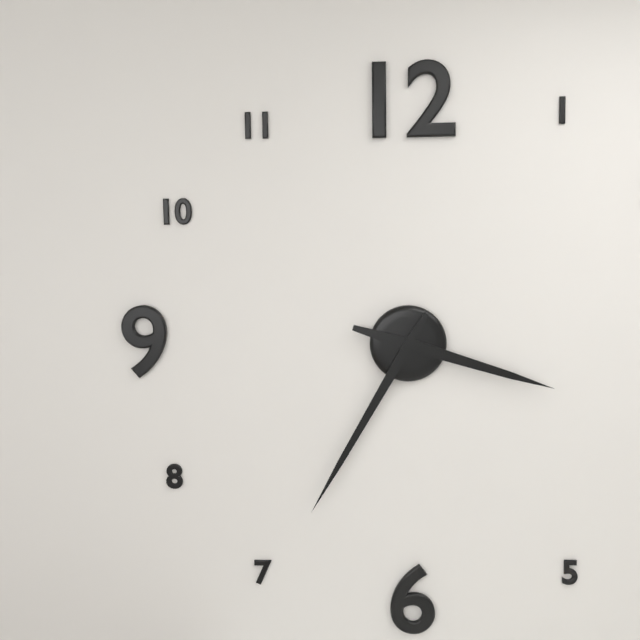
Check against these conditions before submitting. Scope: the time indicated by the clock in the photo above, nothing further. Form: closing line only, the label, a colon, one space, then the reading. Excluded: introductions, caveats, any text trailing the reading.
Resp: 3:35
